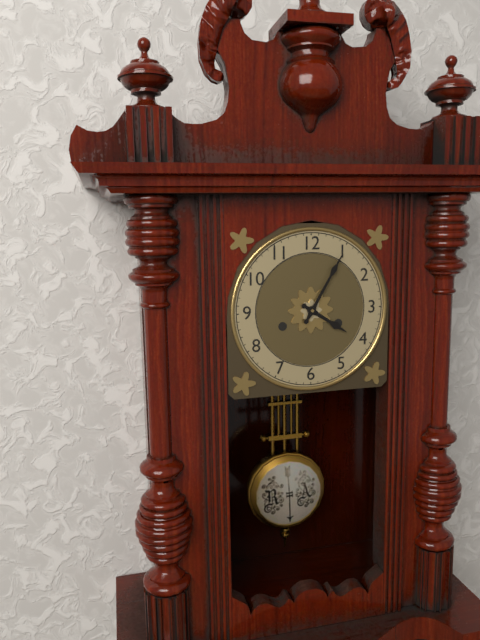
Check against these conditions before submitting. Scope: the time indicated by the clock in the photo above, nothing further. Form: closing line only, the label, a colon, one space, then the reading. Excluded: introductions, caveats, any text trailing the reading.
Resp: 4:05
